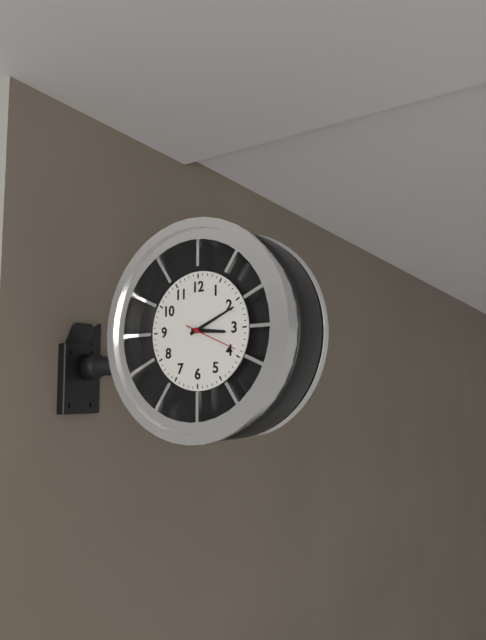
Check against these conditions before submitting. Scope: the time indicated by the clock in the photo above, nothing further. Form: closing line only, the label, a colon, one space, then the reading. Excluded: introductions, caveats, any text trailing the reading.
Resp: 3:11
